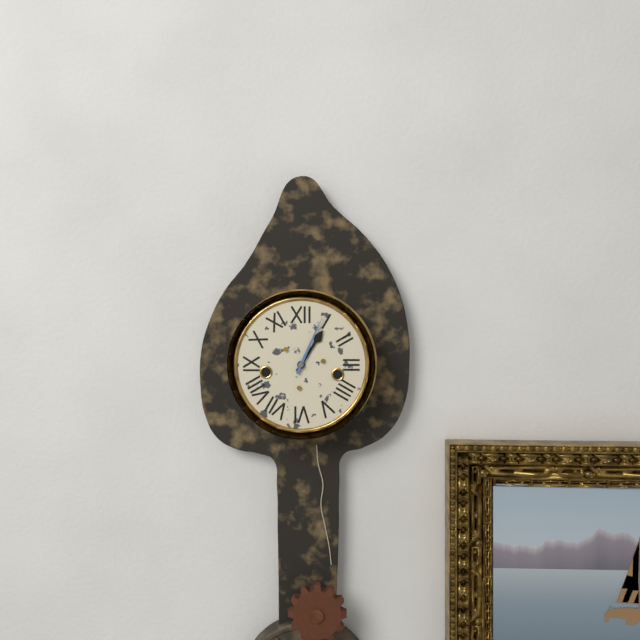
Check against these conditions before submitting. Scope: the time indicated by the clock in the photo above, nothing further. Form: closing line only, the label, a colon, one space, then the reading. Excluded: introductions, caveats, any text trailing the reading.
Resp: 1:04
